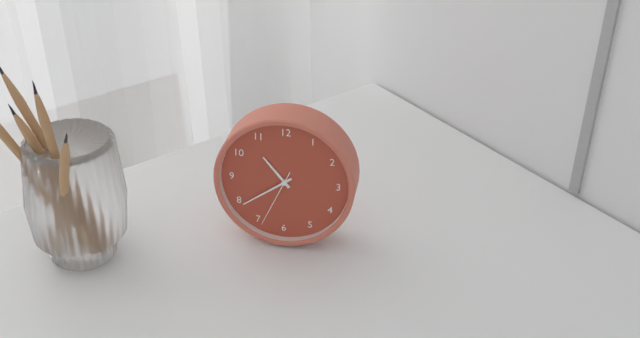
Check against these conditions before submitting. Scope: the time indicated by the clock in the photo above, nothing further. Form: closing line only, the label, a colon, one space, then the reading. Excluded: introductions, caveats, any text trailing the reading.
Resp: 10:39:34
